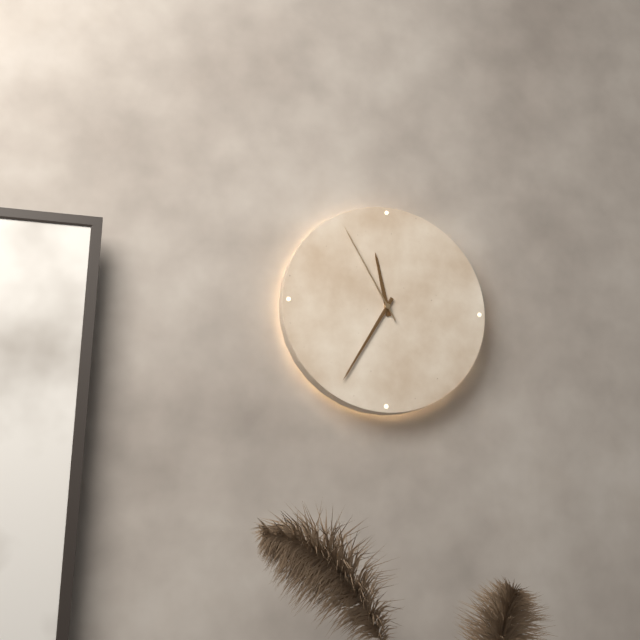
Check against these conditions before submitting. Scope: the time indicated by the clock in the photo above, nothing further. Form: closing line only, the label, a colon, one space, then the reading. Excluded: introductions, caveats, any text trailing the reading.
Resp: 11:35:55
